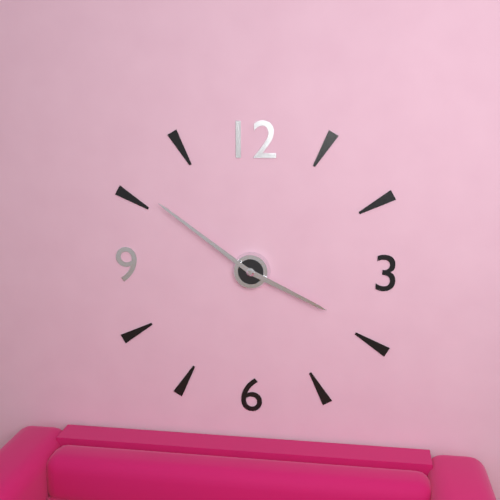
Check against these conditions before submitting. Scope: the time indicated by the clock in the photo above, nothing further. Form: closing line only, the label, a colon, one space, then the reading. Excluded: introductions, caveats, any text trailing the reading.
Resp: 3:51
